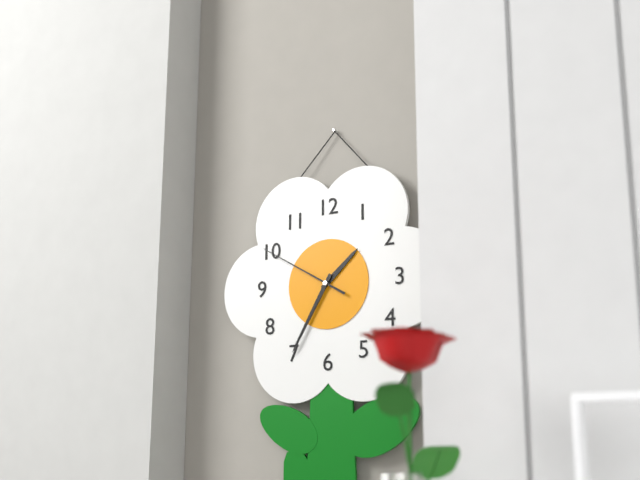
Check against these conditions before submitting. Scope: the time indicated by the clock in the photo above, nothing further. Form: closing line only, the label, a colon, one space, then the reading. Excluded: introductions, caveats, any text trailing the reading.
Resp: 1:35:50
